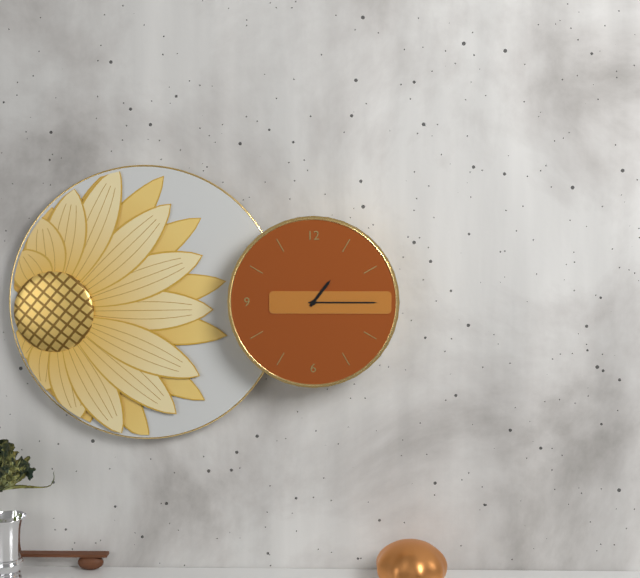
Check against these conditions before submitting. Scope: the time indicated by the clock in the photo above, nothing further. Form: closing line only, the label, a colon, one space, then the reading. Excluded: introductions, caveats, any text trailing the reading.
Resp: 1:15
